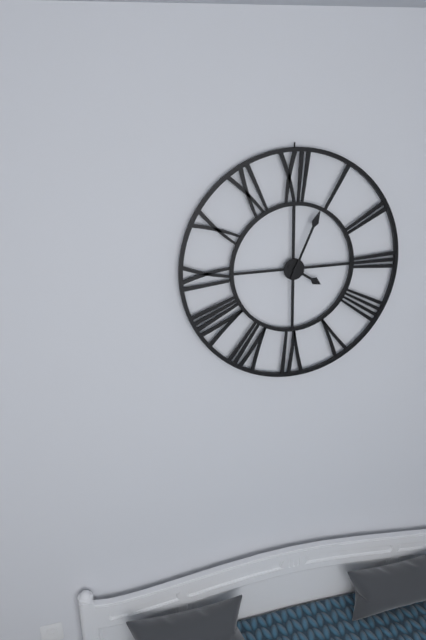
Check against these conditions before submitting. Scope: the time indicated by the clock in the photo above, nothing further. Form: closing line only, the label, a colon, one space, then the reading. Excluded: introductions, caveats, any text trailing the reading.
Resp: 4:04
